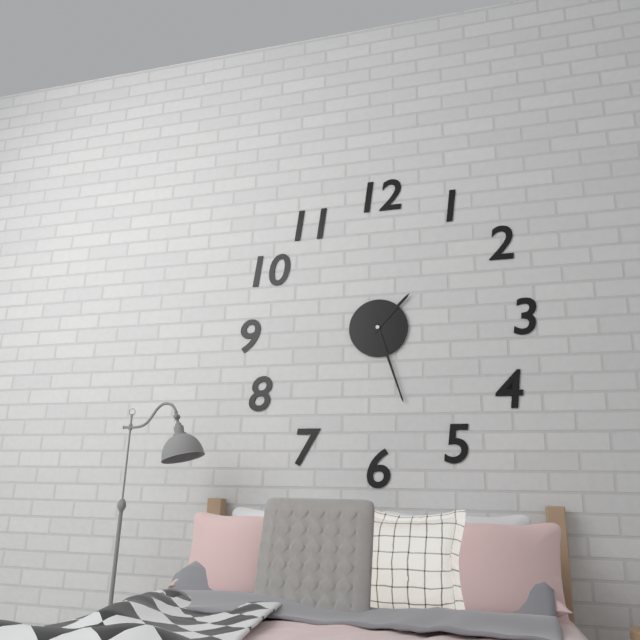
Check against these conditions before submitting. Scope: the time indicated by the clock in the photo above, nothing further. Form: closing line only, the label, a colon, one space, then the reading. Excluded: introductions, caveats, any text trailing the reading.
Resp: 1:27
